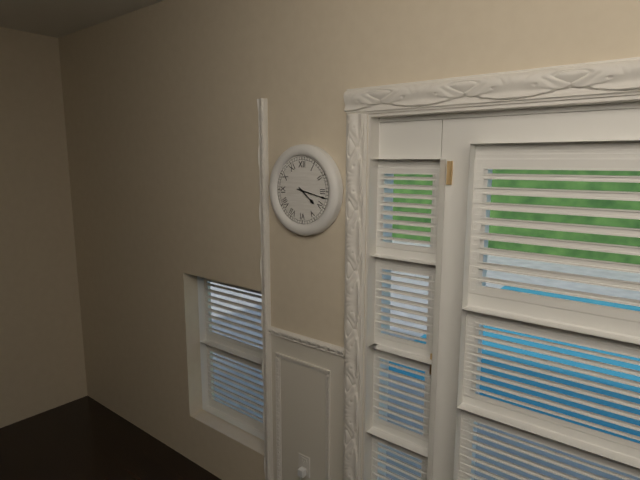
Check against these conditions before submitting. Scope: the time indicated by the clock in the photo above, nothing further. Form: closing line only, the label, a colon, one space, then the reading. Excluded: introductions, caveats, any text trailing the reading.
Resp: 4:17
